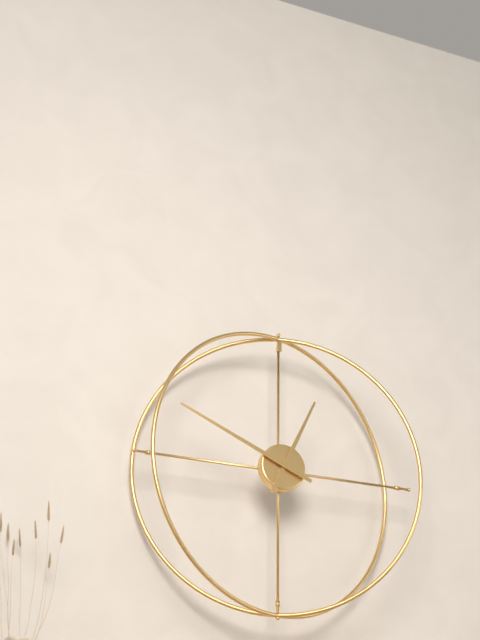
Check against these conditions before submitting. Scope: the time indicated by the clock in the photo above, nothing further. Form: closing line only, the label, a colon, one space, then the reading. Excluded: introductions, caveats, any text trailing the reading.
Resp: 12:49
